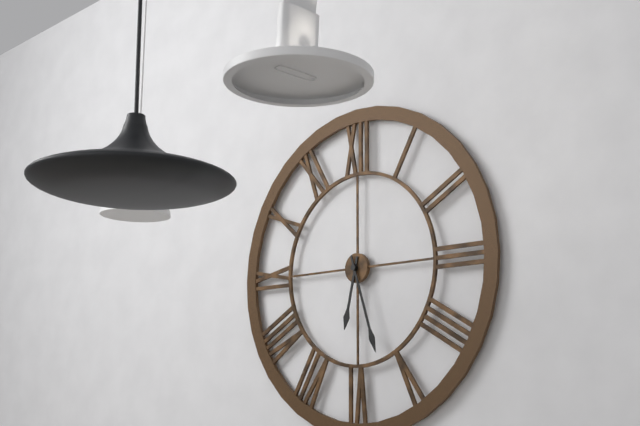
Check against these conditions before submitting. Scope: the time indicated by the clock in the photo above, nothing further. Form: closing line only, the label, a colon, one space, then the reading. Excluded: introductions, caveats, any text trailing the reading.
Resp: 6:27
